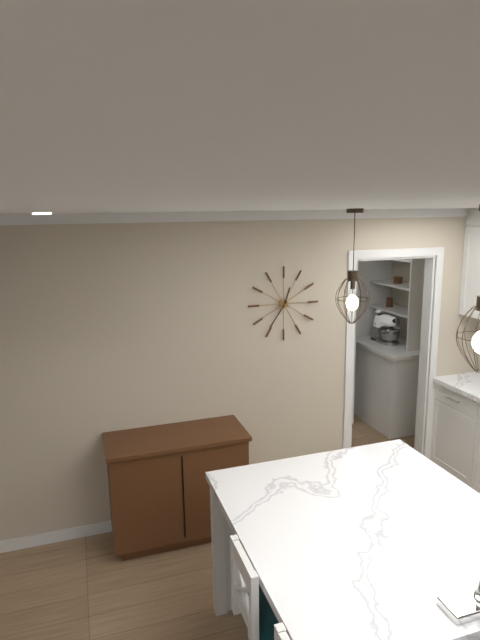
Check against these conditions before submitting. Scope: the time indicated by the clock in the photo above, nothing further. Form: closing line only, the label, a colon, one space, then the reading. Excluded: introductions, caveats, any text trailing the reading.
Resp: 12:36
